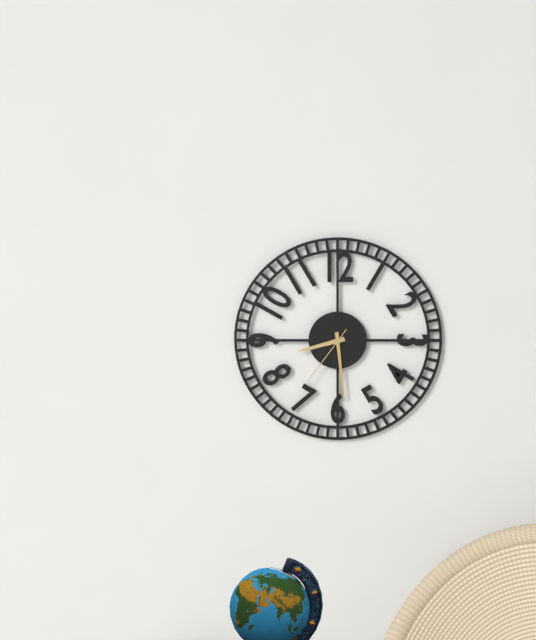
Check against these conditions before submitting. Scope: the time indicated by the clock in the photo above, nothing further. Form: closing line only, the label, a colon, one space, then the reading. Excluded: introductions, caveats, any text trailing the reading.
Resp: 8:29:36
